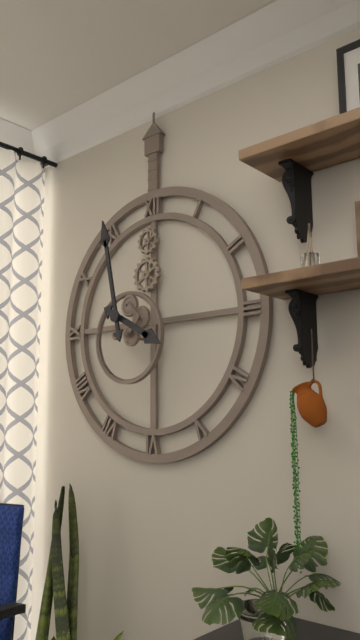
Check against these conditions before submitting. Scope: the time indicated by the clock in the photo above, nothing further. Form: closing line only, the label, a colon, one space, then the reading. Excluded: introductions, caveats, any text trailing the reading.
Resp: 3:58
